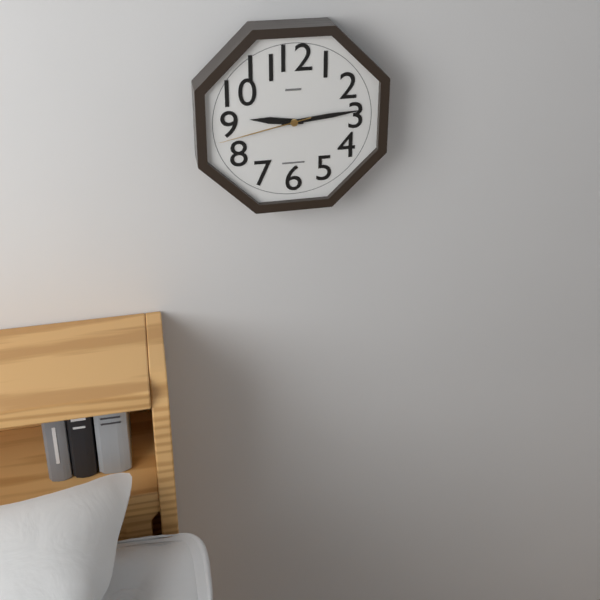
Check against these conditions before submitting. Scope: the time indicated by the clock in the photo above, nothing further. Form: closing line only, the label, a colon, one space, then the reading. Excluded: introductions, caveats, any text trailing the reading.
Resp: 9:14:43
